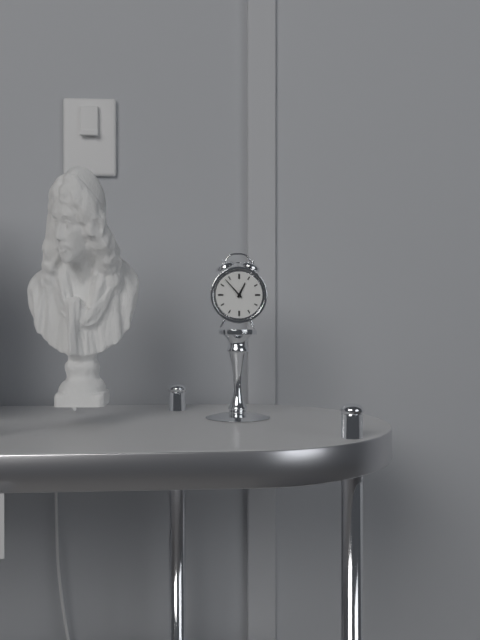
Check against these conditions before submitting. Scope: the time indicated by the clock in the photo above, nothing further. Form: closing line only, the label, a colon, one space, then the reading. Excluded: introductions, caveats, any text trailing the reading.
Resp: 12:53
